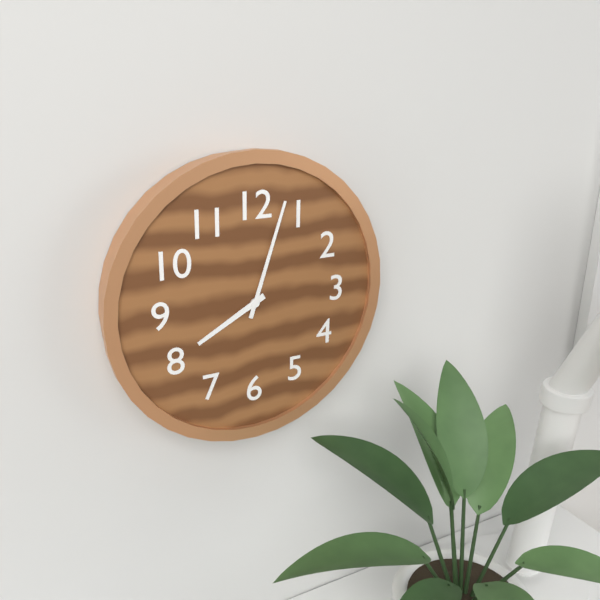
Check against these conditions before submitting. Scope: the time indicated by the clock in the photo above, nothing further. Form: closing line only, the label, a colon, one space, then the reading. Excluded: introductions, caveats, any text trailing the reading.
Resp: 8:03
